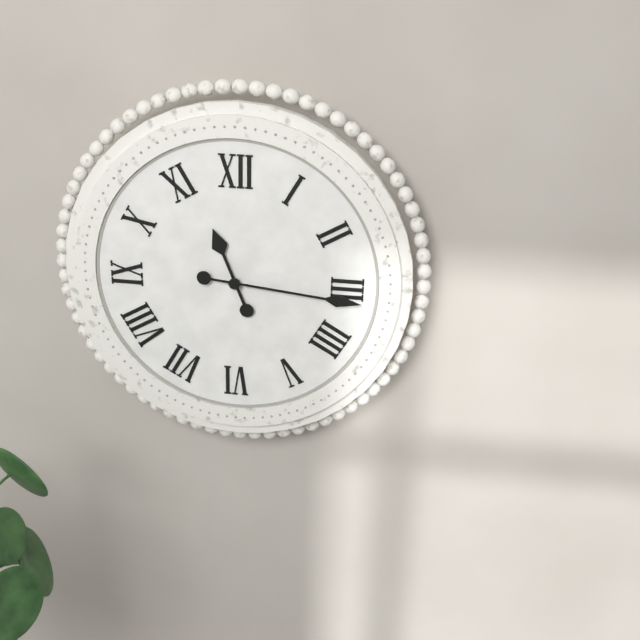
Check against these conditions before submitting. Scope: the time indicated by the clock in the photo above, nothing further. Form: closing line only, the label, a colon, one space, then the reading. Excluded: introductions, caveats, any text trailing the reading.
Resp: 11:16
